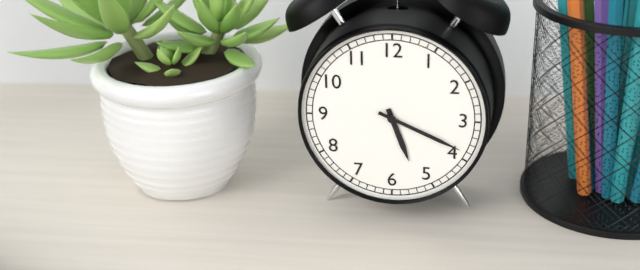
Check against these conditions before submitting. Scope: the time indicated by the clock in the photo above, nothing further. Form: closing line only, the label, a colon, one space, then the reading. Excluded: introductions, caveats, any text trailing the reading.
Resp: 5:19
